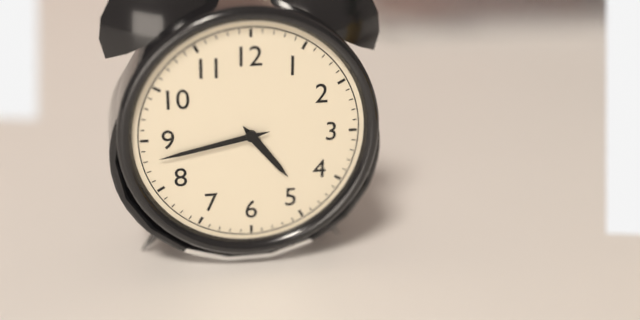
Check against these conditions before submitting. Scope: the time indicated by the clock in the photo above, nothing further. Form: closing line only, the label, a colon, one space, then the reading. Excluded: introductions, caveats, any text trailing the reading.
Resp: 4:43
